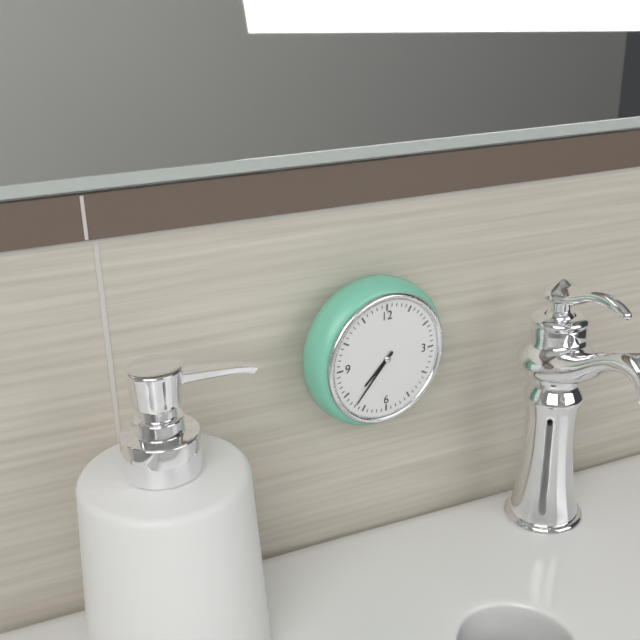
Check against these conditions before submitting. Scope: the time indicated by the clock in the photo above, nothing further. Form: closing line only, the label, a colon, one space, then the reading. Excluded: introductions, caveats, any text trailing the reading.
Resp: 7:37
